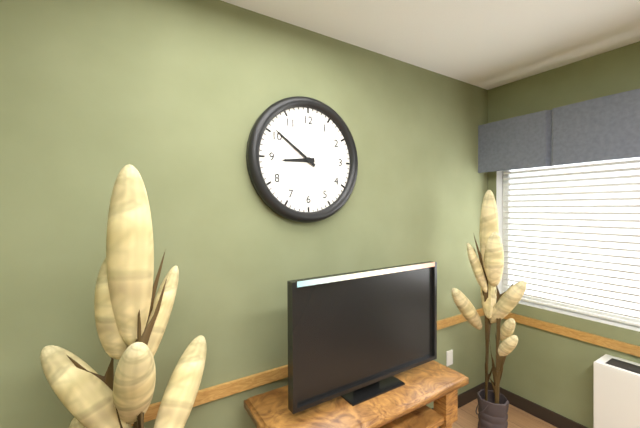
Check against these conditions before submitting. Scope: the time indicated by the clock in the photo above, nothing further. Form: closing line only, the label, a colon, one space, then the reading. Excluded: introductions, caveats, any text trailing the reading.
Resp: 8:51
